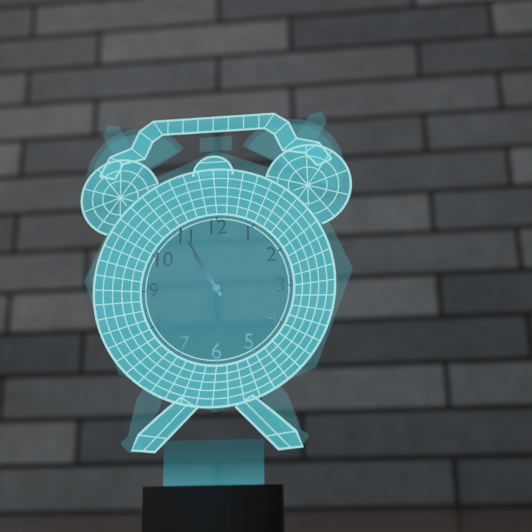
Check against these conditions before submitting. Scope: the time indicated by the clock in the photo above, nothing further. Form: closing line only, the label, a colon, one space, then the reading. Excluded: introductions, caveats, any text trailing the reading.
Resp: 10:55
